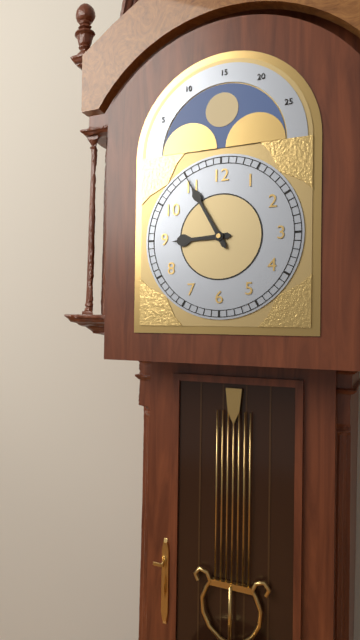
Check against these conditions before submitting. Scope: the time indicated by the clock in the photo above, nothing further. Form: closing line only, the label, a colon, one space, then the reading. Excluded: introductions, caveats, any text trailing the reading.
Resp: 8:55
